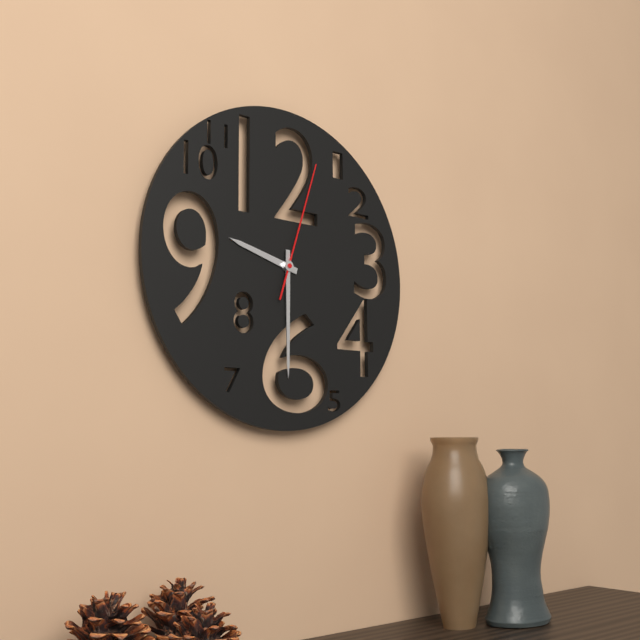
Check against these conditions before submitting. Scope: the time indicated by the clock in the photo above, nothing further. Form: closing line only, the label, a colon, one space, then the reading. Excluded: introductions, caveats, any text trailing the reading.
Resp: 9:30:03
